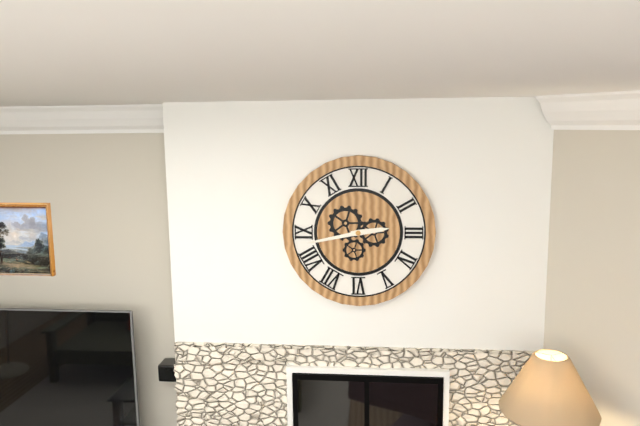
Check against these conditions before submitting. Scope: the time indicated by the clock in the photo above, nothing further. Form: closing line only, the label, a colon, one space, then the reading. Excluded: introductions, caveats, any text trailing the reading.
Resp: 2:43
